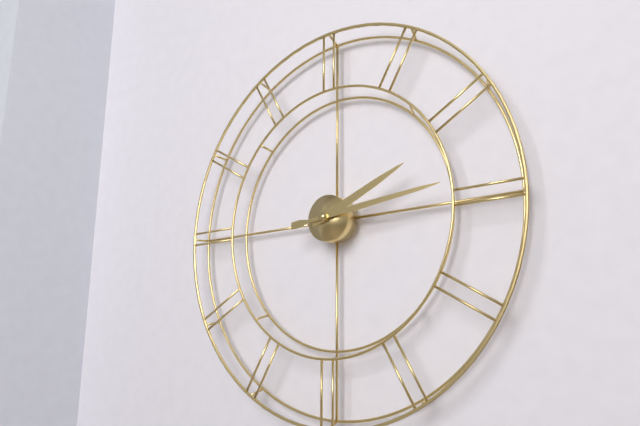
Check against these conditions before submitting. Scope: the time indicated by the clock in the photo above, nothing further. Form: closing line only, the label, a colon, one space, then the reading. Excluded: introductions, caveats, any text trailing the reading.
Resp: 2:14
